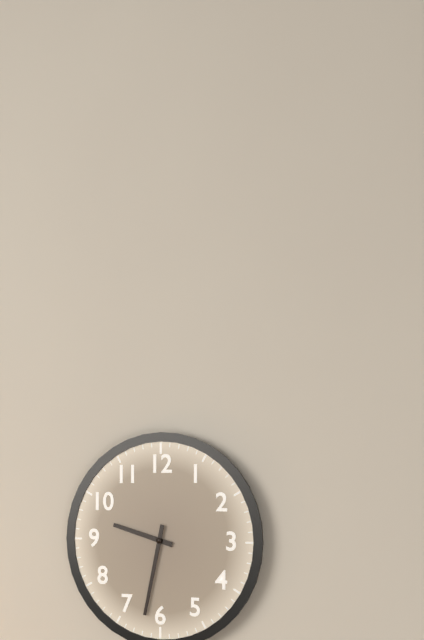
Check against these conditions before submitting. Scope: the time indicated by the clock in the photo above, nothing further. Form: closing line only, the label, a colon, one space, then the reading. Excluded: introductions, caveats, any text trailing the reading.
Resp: 9:32
